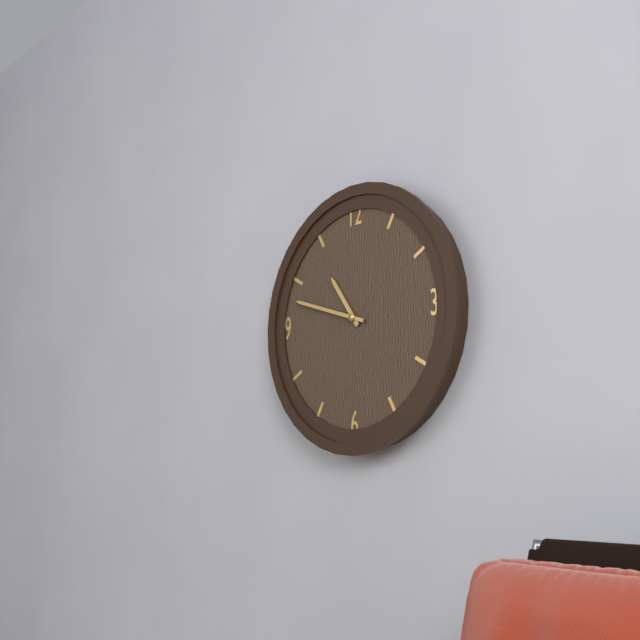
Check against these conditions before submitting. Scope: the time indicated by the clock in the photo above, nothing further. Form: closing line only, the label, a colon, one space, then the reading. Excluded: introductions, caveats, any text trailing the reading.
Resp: 10:48
